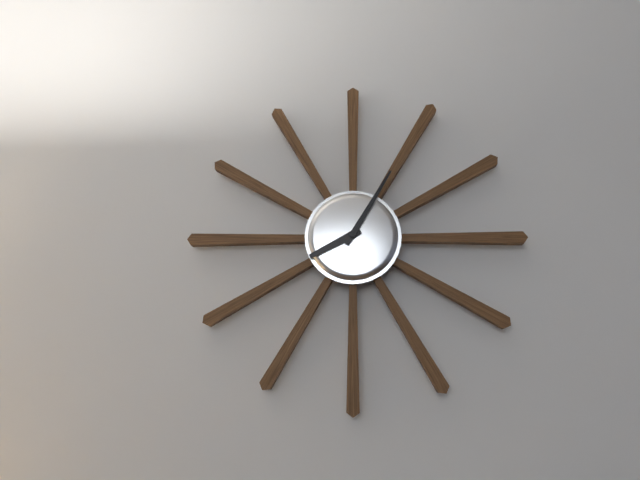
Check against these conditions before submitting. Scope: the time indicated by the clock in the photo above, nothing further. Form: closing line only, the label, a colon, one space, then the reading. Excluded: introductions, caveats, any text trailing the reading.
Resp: 8:05
